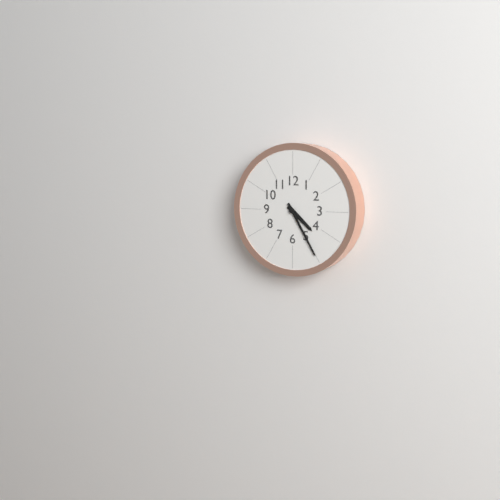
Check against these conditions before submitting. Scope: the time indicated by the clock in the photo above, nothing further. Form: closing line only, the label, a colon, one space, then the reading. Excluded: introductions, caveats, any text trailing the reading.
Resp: 4:25
